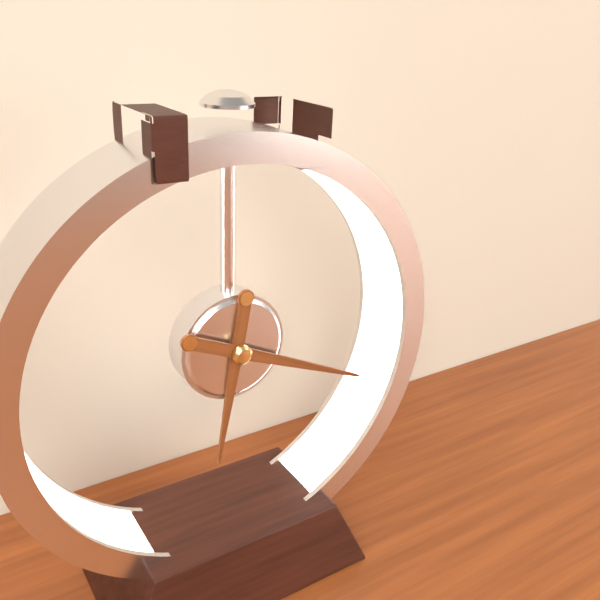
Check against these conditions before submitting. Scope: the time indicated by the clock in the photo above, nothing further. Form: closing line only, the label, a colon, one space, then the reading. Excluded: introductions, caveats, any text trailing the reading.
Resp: 6:19
